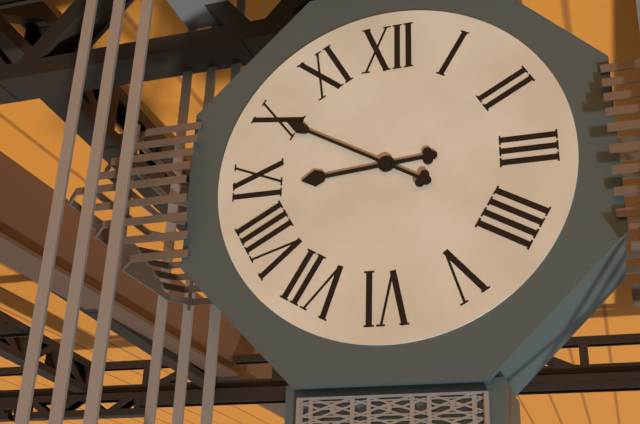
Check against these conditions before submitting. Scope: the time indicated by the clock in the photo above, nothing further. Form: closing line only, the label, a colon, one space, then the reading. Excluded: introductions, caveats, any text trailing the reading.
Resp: 8:50
